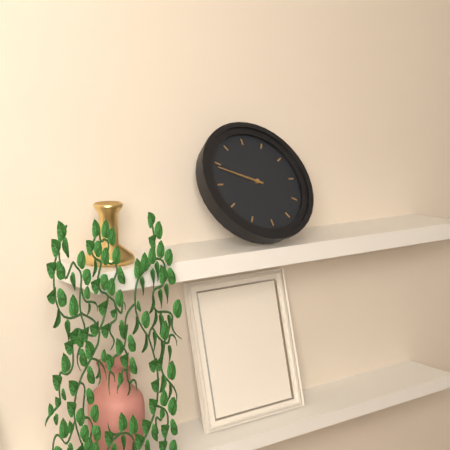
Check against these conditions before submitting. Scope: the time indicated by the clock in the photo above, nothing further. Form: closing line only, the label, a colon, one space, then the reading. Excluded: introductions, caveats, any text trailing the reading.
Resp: 9:49
